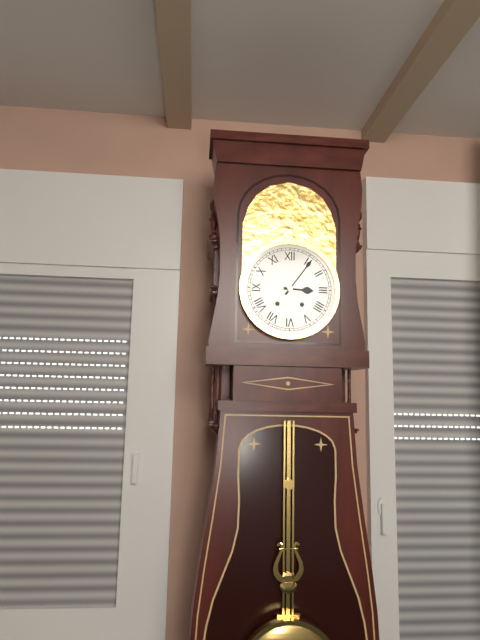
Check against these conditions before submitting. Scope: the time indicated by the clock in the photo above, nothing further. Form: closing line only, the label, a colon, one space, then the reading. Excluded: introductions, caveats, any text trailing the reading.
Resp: 3:06
